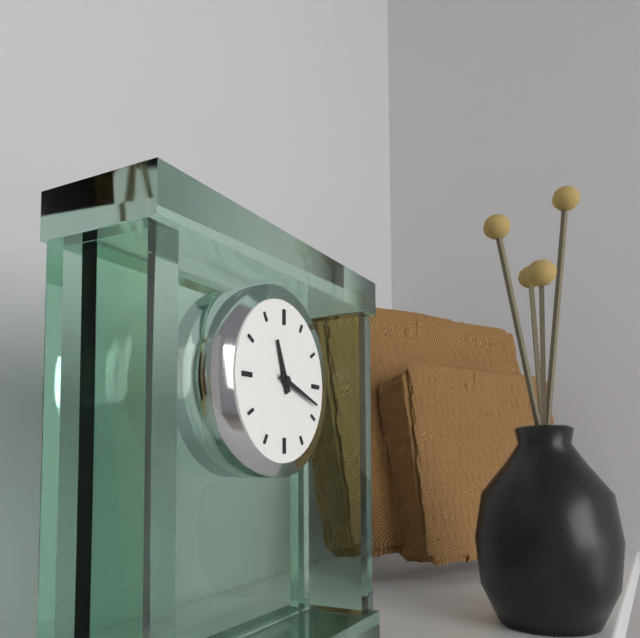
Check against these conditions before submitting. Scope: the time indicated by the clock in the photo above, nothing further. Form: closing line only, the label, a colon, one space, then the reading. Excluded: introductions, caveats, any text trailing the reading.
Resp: 11:18
